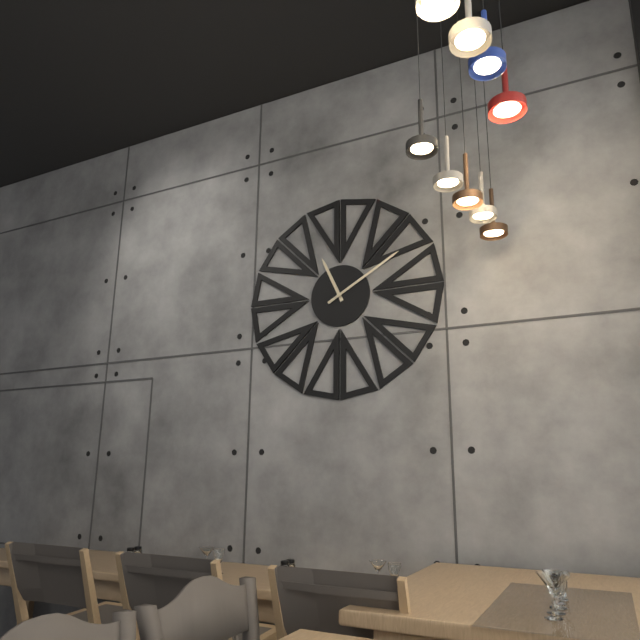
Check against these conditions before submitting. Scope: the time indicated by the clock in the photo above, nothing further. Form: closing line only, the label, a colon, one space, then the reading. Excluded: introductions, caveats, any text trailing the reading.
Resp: 11:10
